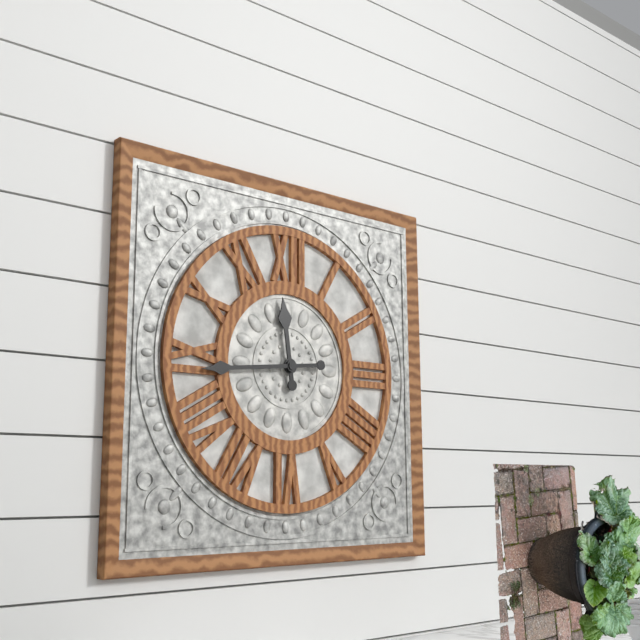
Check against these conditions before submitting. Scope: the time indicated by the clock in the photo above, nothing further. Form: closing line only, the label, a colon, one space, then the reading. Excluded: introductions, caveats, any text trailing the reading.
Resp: 11:44
